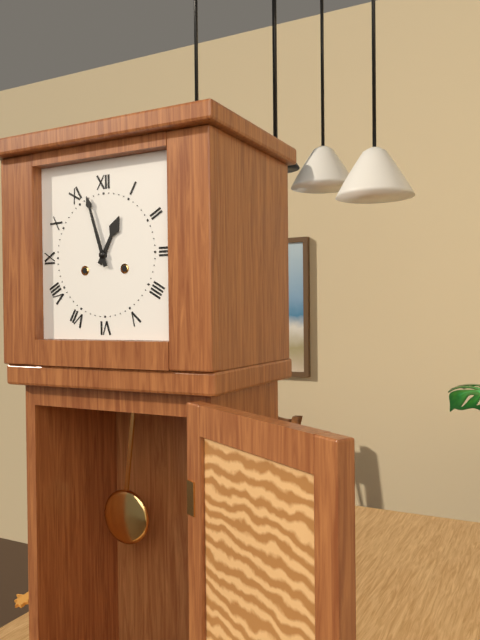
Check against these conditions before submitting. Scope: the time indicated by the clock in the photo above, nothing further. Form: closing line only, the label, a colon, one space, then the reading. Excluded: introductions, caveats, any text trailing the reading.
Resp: 12:57
